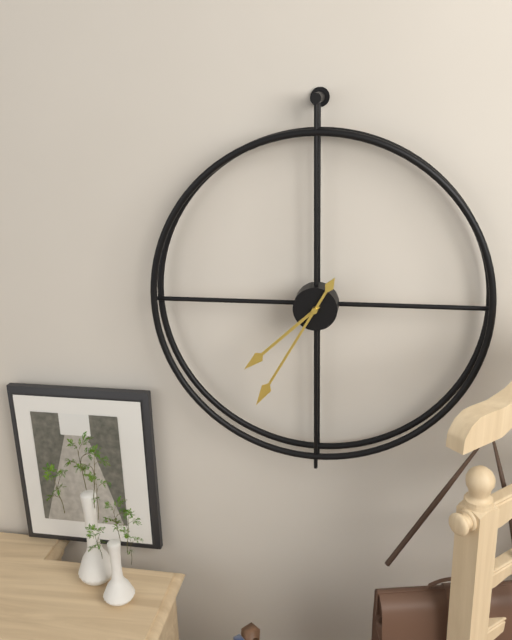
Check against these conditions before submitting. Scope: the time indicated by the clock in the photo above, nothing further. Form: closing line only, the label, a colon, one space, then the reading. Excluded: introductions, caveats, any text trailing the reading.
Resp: 7:35
